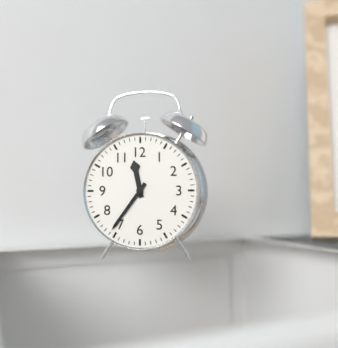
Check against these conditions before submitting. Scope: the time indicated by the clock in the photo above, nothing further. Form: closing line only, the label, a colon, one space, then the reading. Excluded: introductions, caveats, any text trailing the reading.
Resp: 11:36
